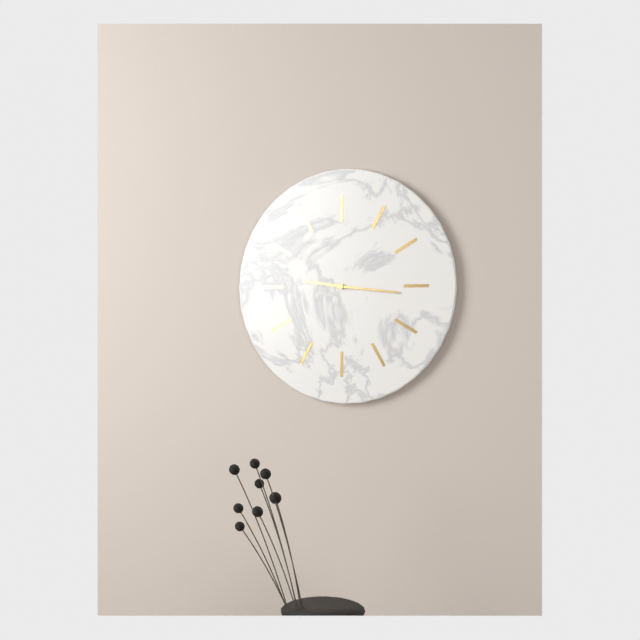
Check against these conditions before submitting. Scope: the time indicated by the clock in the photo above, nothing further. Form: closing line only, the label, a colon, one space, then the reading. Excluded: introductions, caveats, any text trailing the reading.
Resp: 9:16
